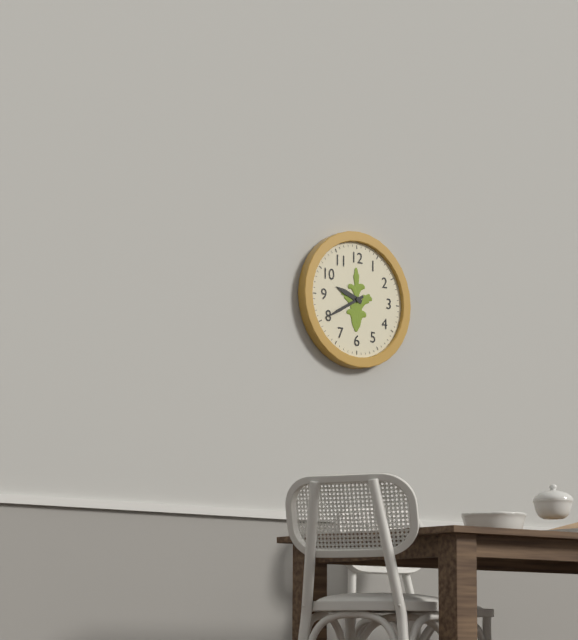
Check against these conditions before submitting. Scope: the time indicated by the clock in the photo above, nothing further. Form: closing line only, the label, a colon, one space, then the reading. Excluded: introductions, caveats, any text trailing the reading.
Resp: 9:40
